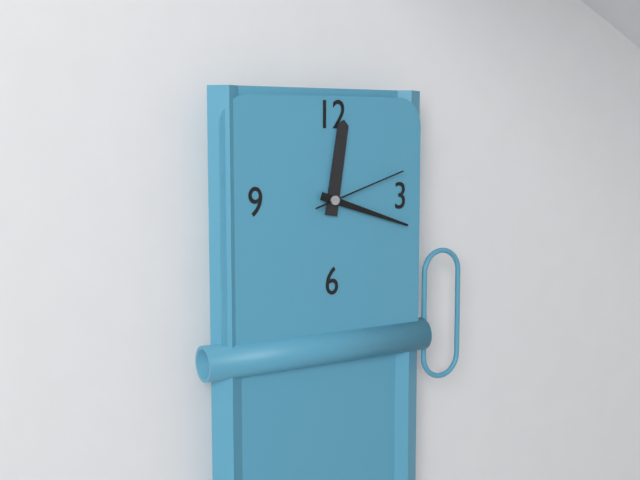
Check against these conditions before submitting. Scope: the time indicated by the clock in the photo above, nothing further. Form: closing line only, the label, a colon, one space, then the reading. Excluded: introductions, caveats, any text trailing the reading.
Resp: 12:18:12
